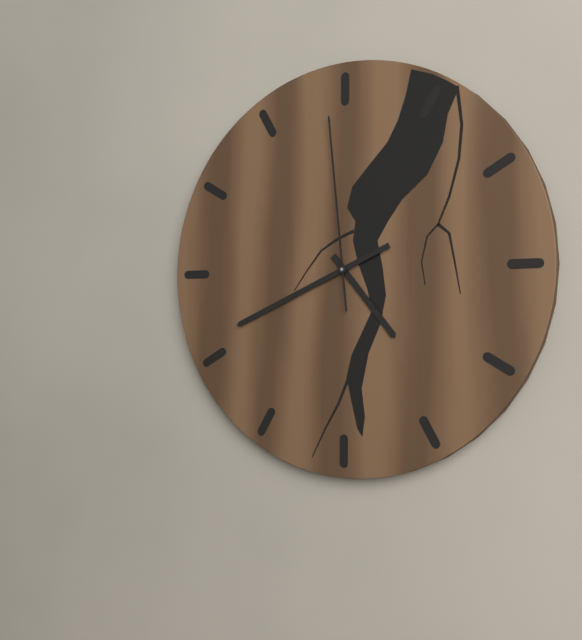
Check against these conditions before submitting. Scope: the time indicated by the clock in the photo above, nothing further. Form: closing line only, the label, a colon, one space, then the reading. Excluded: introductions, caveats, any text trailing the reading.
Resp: 4:41:59
